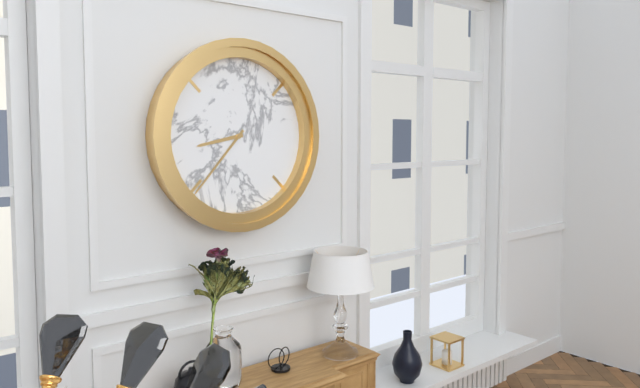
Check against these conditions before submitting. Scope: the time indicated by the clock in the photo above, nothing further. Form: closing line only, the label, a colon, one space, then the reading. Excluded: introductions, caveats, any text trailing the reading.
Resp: 8:37
